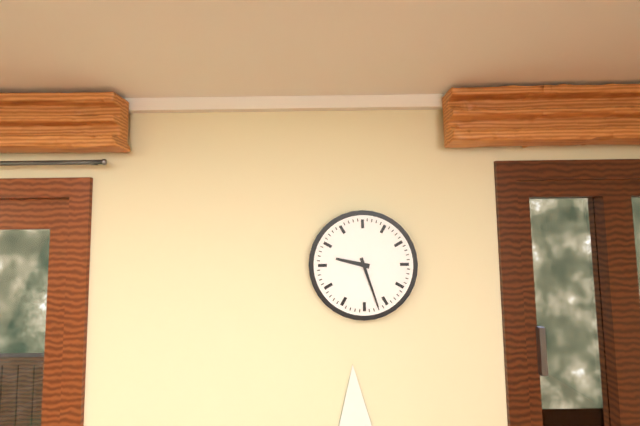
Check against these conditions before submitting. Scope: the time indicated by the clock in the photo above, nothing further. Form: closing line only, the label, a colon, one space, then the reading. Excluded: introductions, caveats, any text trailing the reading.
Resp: 9:27
